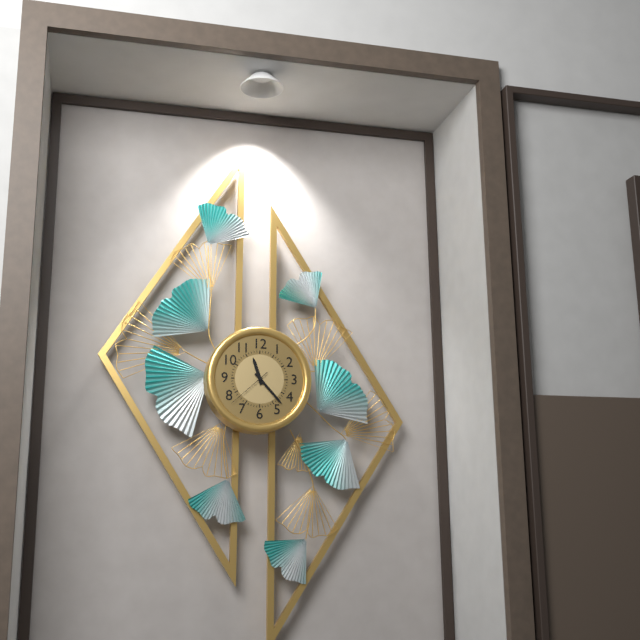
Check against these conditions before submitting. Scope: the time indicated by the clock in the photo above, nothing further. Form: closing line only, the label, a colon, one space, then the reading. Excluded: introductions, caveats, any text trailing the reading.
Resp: 11:23
